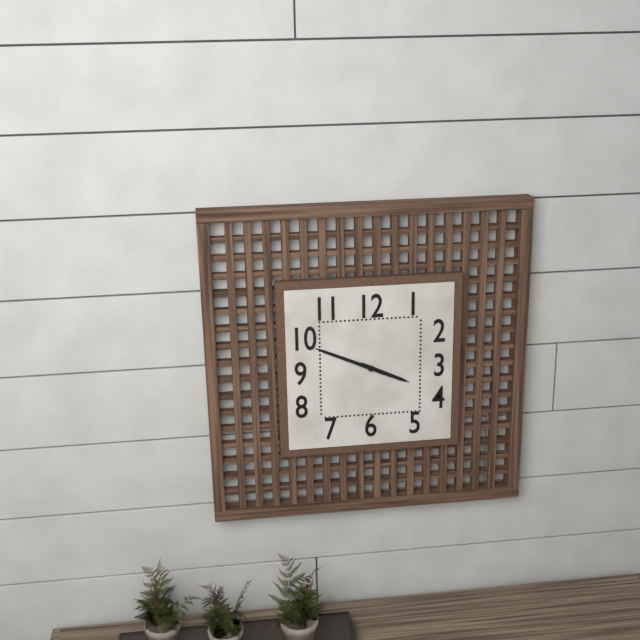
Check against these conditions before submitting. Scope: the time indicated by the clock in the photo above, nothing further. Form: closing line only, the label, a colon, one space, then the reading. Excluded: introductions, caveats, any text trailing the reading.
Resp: 3:49
